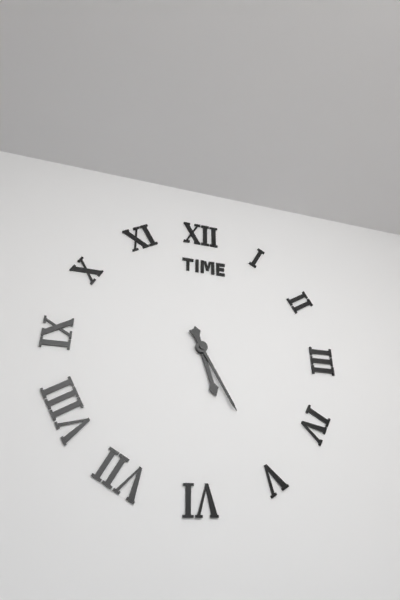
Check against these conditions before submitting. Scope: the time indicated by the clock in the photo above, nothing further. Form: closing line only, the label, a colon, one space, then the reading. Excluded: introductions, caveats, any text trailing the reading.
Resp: 5:25
